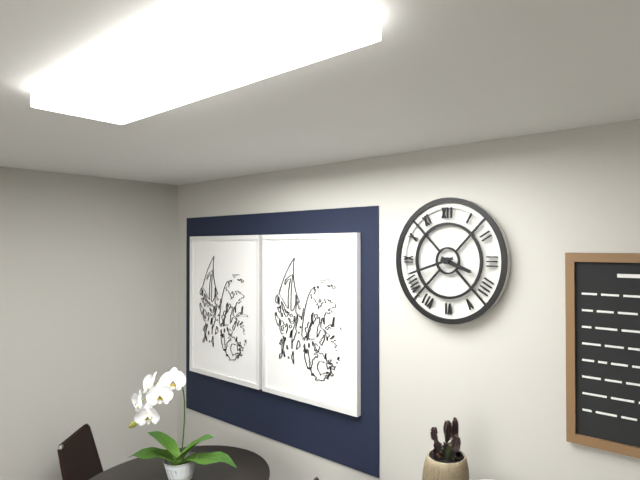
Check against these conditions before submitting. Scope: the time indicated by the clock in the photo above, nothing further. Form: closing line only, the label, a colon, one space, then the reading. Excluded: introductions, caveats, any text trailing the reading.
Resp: 3:42
